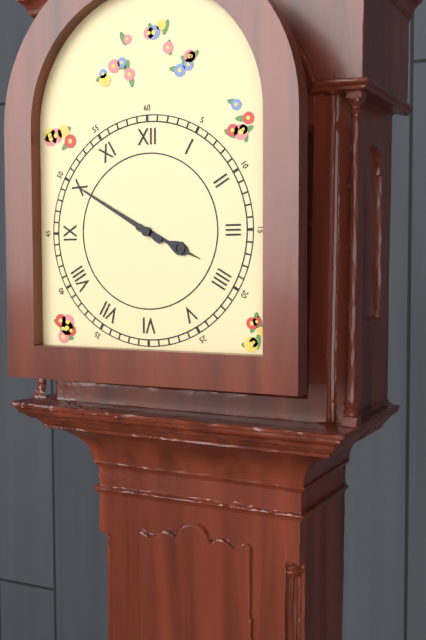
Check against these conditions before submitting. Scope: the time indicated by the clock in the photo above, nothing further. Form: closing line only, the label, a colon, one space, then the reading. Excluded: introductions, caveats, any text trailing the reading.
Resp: 3:50
